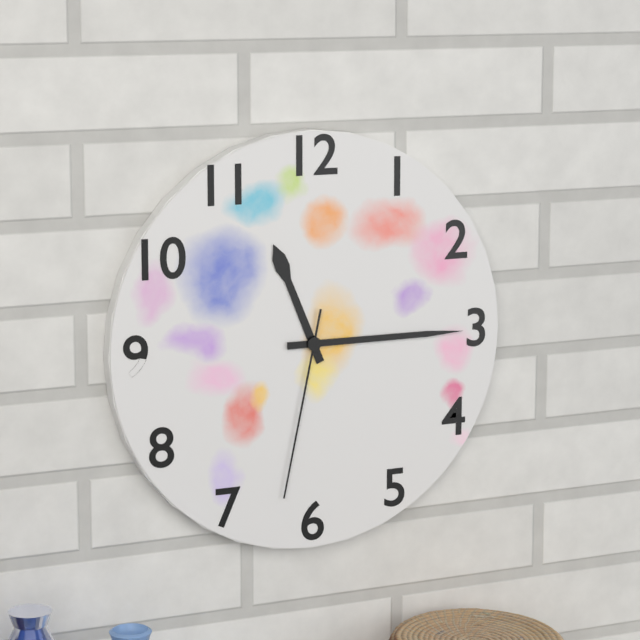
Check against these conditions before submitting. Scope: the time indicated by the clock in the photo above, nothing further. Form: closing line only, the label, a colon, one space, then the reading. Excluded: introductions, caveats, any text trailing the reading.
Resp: 11:15:32
